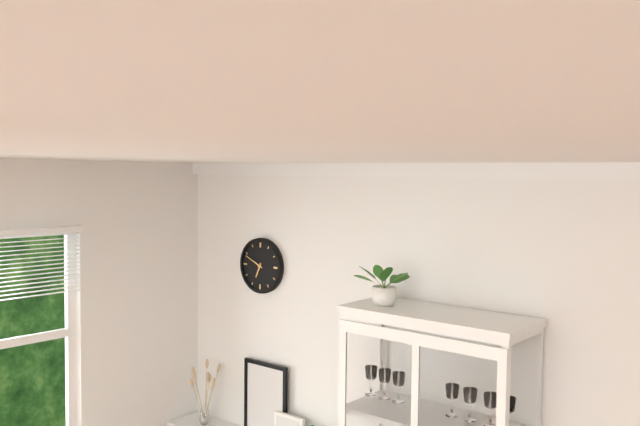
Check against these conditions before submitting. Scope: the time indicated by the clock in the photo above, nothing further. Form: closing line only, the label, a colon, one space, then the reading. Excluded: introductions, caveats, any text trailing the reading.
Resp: 6:49
